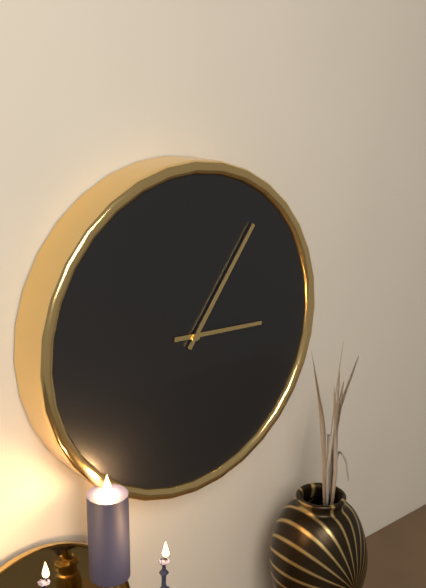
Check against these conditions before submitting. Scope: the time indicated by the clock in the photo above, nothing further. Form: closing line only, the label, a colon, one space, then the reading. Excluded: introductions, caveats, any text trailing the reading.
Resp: 3:06
